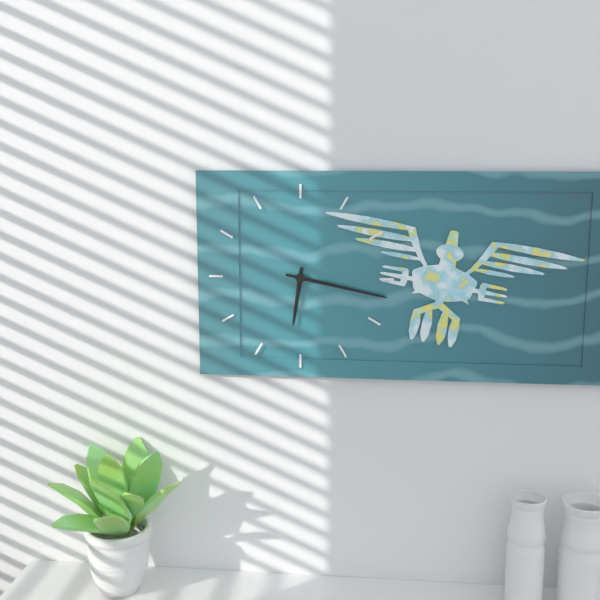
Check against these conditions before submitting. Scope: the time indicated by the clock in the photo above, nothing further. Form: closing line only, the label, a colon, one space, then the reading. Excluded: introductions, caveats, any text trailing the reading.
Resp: 6:17
